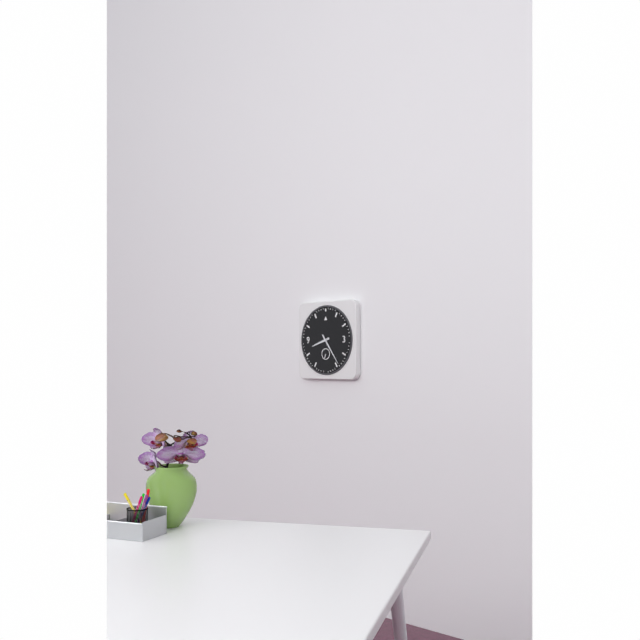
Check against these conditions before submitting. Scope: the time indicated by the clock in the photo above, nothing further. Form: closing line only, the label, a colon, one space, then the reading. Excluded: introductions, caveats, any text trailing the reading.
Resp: 8:24
